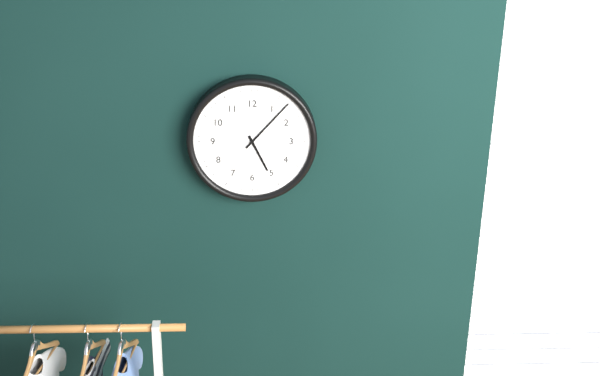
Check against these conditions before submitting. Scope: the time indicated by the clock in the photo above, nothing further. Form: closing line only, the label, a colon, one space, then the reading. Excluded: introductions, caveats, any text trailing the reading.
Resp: 5:07
